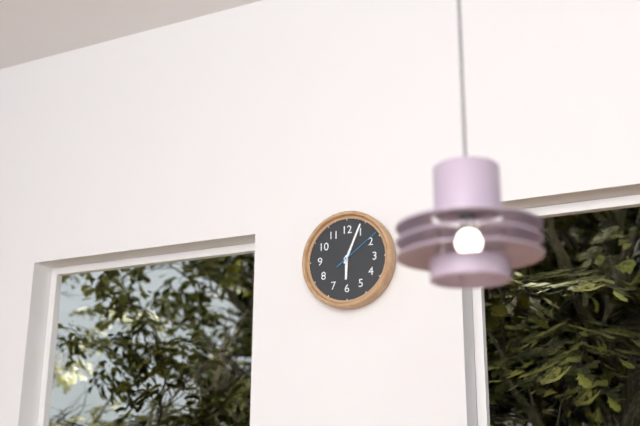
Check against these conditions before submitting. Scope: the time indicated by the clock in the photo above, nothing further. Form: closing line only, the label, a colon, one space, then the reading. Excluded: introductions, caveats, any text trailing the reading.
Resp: 6:04:09
